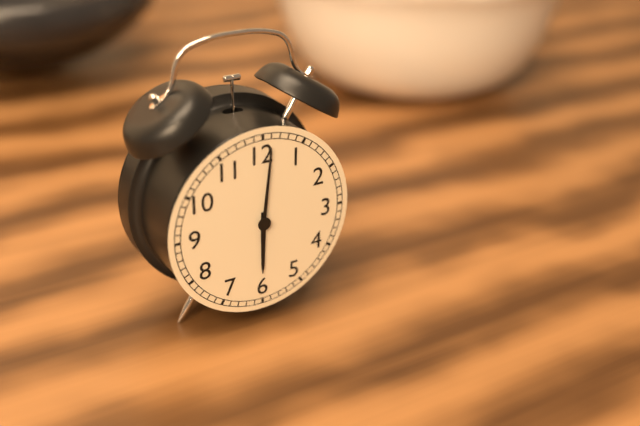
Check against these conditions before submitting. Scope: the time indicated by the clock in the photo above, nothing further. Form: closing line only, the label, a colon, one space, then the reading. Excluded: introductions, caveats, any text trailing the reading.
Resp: 6:01
